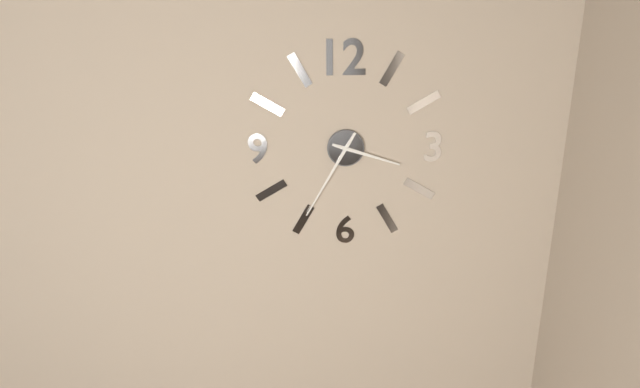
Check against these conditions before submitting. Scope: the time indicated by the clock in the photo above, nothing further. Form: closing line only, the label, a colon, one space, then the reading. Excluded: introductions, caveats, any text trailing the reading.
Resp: 3:35
